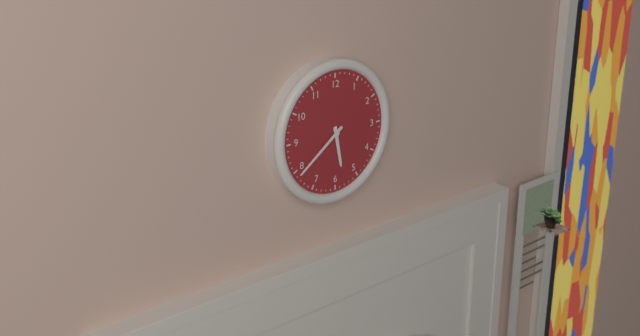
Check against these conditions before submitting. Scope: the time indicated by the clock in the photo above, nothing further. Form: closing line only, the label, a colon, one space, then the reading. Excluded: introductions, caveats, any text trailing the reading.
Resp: 5:39
